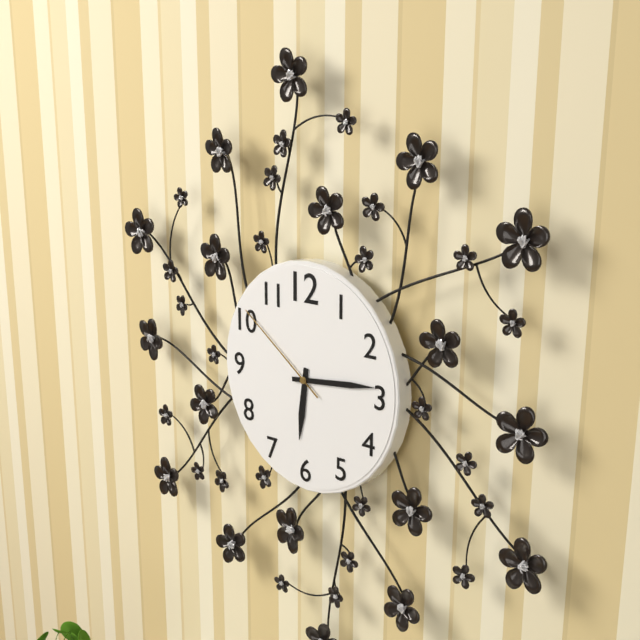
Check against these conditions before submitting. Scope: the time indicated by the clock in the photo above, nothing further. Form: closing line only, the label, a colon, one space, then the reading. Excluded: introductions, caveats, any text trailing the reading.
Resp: 6:14:51
